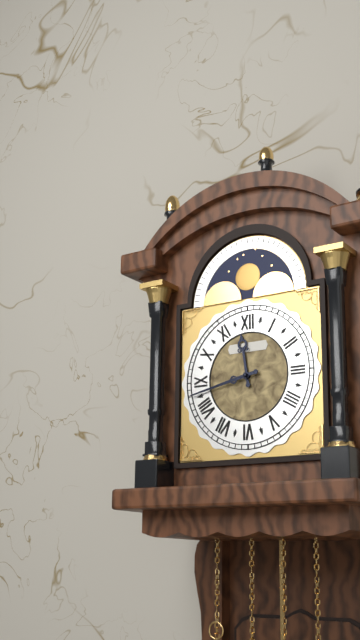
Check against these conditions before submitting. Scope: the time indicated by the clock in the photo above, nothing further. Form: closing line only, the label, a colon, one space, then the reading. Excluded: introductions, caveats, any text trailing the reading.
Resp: 11:43
